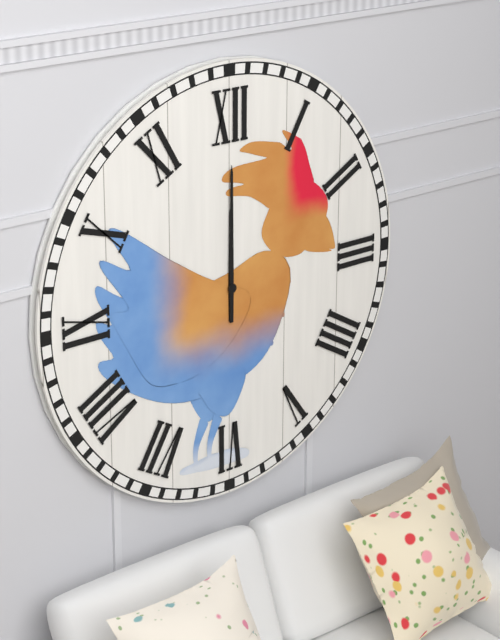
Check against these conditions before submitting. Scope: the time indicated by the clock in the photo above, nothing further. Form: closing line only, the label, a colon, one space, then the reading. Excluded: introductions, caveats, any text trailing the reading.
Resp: 12:00
